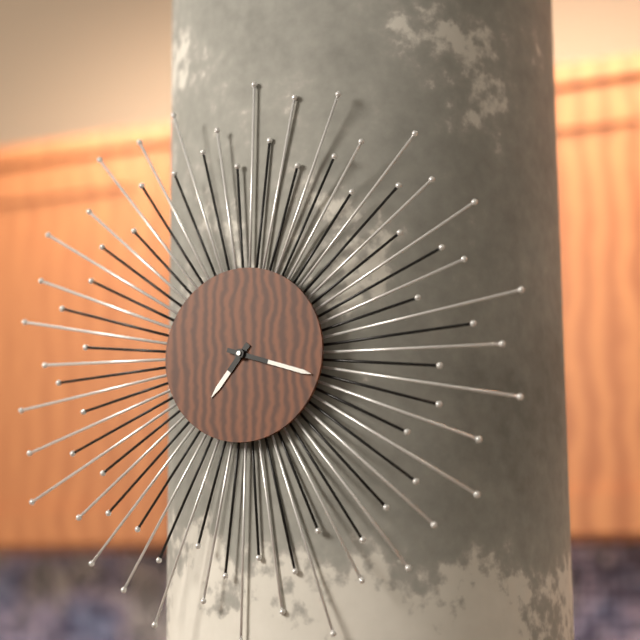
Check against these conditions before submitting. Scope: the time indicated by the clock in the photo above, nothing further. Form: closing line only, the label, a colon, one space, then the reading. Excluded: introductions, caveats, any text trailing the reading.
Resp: 7:18
